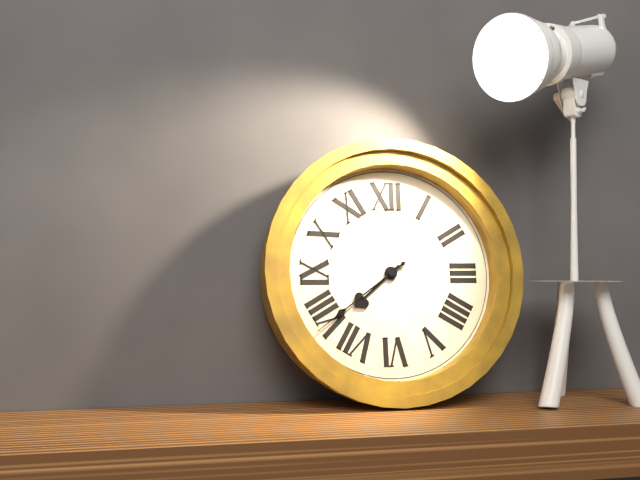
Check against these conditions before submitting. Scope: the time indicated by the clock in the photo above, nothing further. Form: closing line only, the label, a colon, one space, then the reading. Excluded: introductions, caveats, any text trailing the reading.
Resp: 7:39
